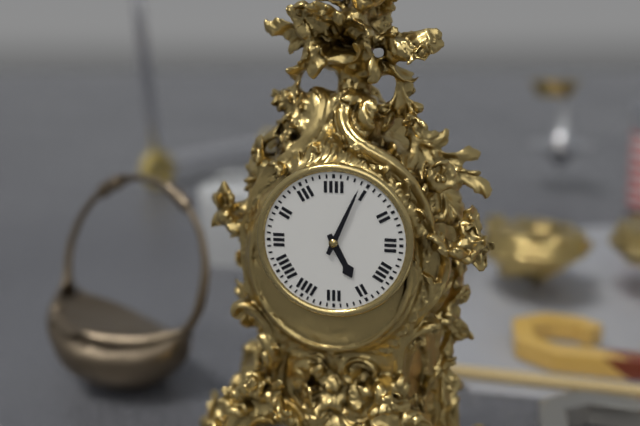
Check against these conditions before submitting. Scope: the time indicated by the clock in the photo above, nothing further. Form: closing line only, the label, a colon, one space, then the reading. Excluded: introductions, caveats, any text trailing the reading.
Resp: 5:04
